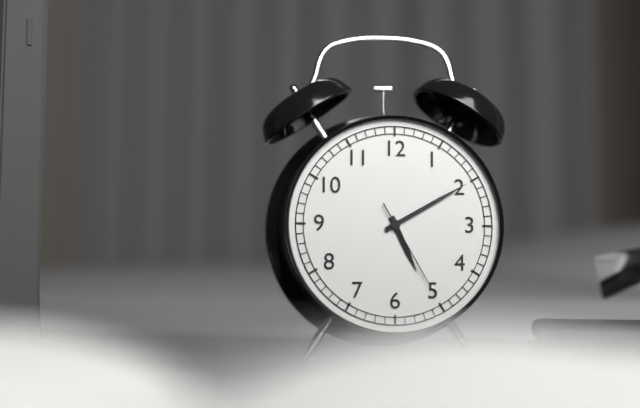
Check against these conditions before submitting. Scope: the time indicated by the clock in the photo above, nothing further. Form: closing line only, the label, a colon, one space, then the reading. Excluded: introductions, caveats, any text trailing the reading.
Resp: 5:10:25
